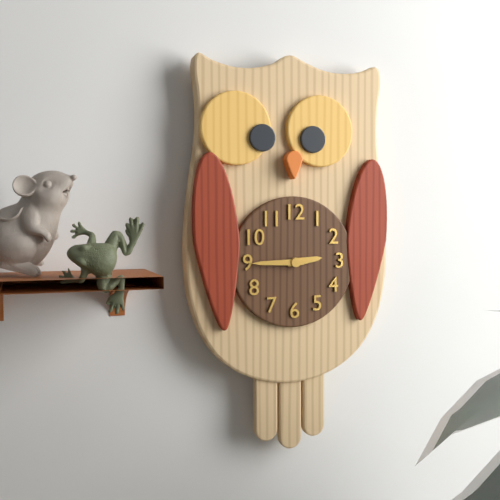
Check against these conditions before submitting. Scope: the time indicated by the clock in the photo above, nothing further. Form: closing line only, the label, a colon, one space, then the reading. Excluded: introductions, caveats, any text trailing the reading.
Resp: 2:45
